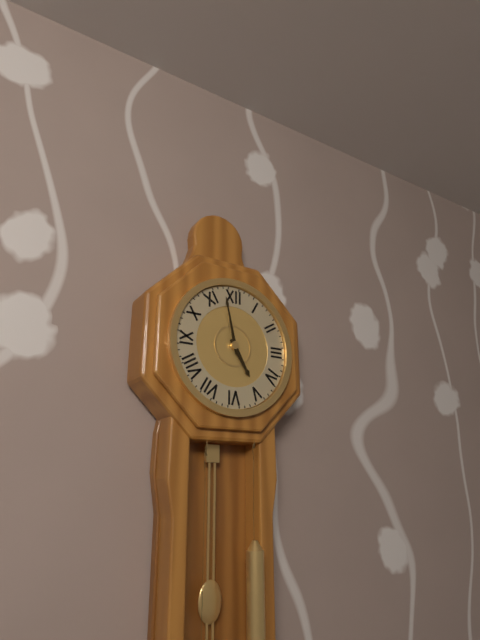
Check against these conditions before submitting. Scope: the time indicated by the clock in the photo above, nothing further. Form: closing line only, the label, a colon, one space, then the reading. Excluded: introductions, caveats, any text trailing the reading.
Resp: 4:58
